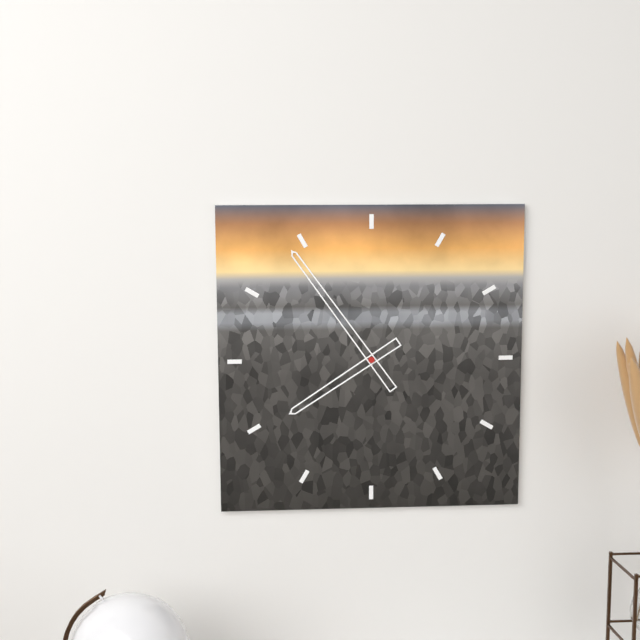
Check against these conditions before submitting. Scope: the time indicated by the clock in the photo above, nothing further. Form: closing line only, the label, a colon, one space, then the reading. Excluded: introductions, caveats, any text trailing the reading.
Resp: 7:54
